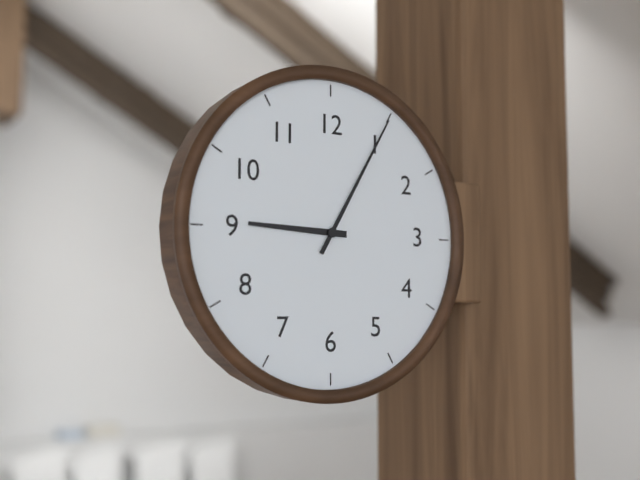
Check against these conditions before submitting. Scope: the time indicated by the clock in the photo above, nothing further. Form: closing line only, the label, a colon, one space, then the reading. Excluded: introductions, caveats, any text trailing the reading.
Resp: 9:05
